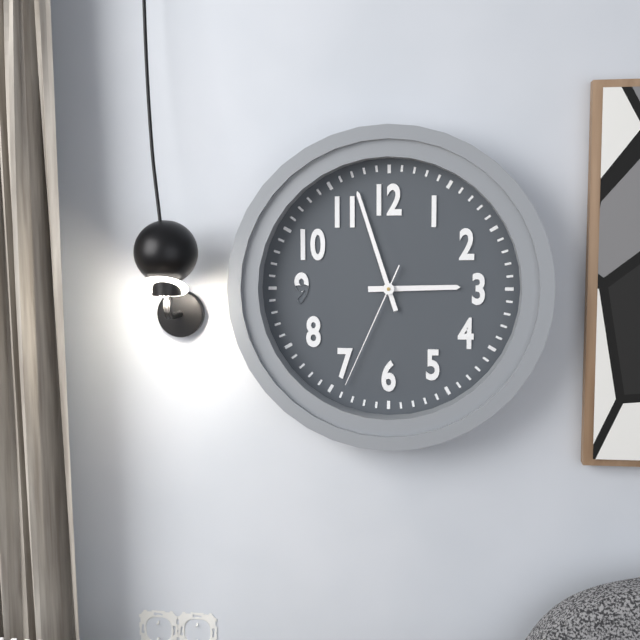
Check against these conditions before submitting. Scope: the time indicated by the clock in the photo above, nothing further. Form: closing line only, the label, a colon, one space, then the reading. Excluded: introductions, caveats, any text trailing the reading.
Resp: 2:57:34
